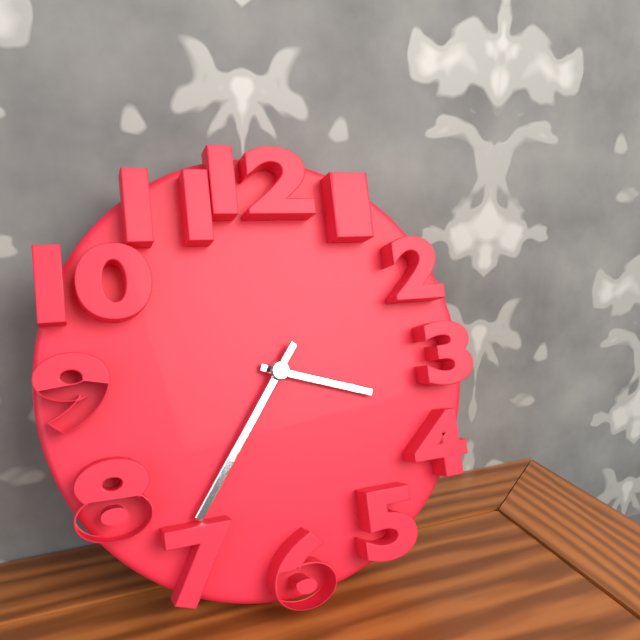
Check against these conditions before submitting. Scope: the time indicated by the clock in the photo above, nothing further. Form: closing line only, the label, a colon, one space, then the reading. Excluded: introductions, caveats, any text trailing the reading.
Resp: 3:36
